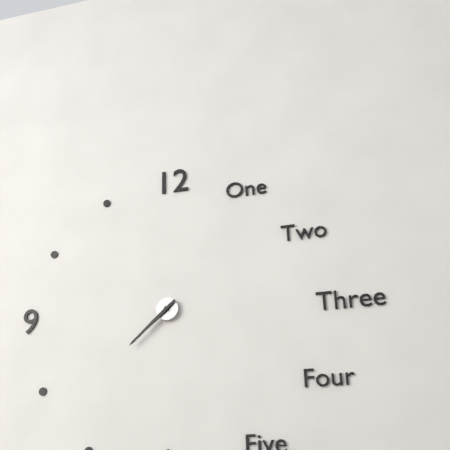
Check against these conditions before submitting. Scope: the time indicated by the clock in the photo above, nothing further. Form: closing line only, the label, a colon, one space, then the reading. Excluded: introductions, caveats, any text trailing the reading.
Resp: 7:38
